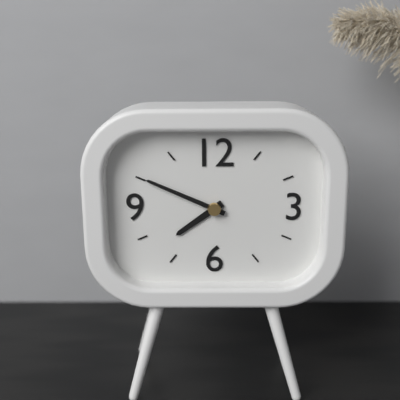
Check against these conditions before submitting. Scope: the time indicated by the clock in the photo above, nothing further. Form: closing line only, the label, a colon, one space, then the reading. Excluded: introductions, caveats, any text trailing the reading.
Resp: 7:49
